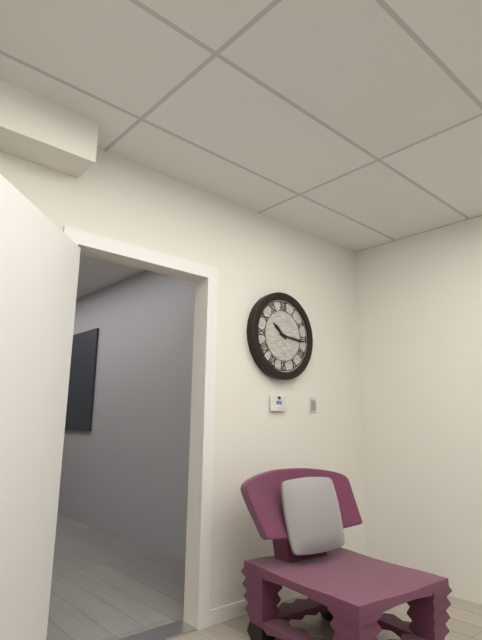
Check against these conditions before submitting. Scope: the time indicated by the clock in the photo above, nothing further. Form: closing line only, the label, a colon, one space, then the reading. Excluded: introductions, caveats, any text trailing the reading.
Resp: 10:16
